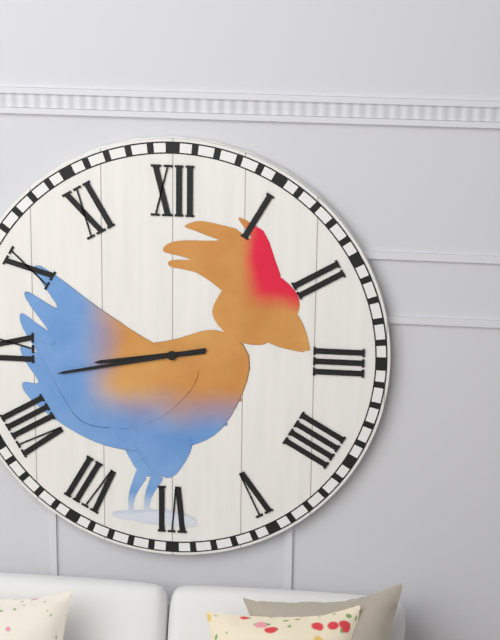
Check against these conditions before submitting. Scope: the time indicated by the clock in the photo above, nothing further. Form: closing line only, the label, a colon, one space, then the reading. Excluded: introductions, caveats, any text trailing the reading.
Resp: 8:43
